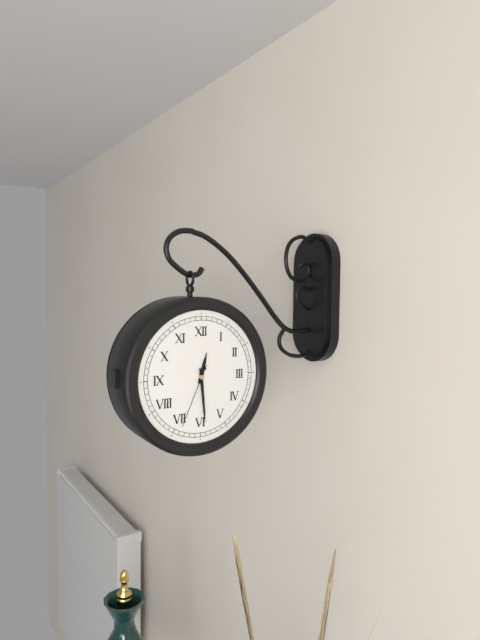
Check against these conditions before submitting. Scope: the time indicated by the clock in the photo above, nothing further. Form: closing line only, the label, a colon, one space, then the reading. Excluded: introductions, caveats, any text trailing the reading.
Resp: 12:29:34
